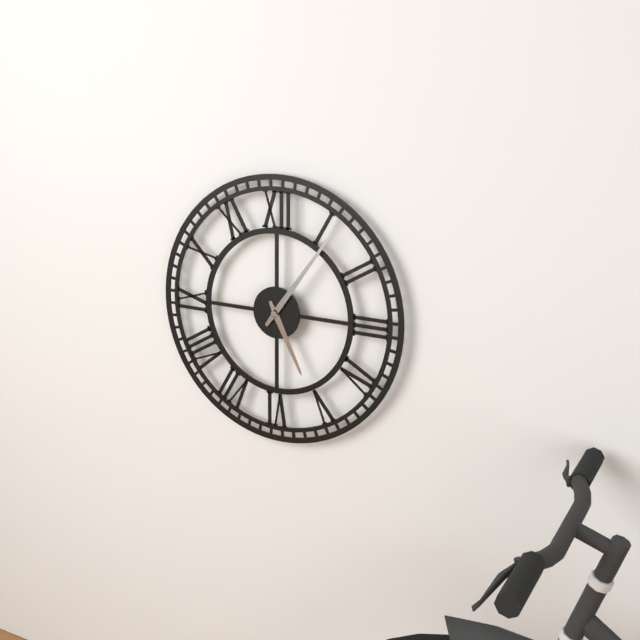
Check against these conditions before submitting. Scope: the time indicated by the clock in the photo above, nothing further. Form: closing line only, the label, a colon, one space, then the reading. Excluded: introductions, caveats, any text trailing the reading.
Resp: 5:06
